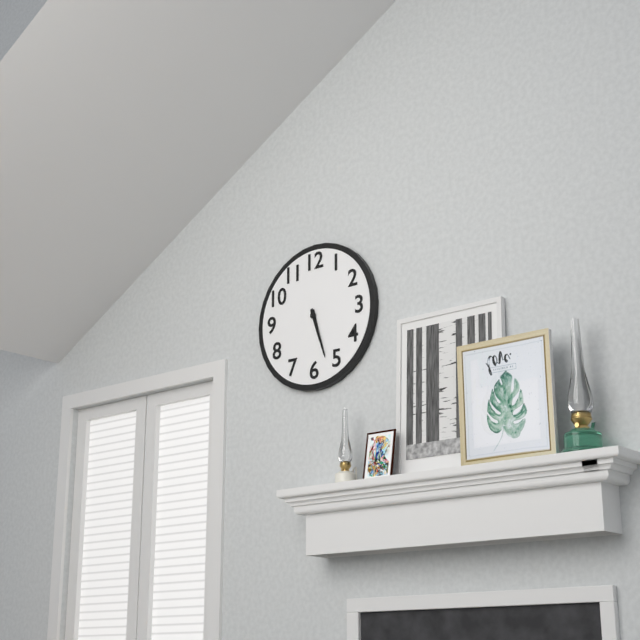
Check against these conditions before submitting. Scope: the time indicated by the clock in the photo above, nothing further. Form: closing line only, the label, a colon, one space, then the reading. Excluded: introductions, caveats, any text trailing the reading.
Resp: 5:27
